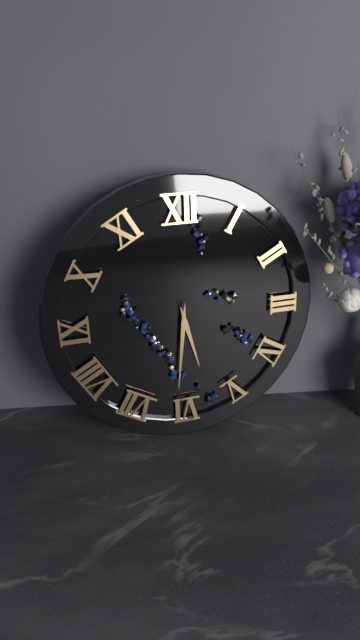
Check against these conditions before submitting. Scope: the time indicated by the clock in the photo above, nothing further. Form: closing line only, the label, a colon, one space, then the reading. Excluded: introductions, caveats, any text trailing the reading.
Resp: 5:31
